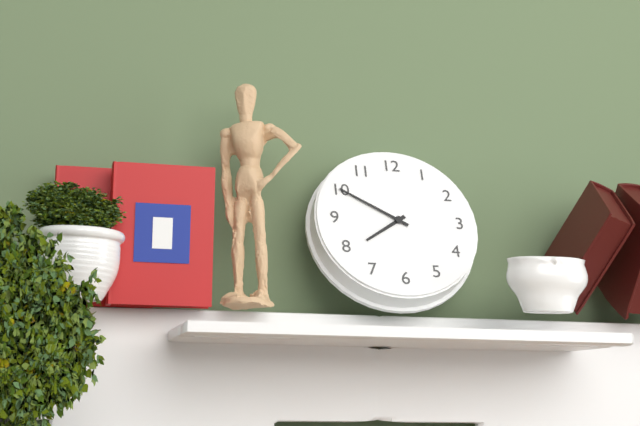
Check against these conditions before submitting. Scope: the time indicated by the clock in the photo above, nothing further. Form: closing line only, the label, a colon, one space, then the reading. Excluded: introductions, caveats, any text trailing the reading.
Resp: 7:50
